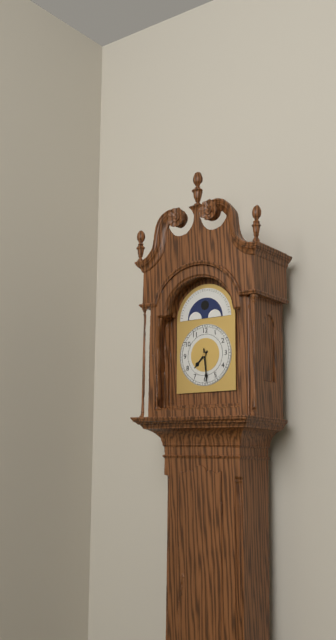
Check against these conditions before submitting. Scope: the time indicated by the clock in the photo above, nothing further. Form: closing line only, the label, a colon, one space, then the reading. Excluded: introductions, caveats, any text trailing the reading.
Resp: 7:29
